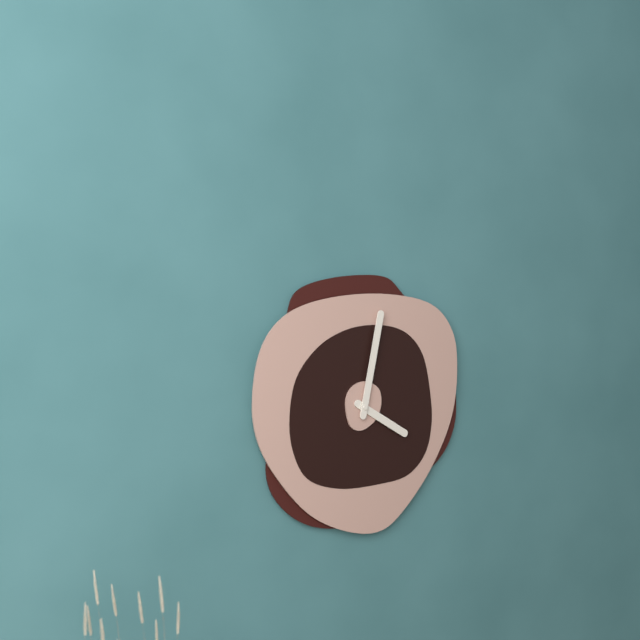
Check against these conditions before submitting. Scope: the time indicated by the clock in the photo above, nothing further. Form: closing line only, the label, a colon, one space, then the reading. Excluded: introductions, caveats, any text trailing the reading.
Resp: 4:02
